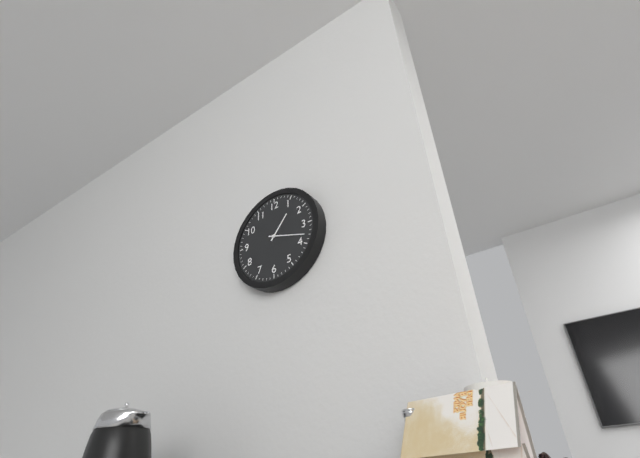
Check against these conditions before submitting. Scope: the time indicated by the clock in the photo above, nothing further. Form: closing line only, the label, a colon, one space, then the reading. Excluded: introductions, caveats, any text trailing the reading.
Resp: 1:18
